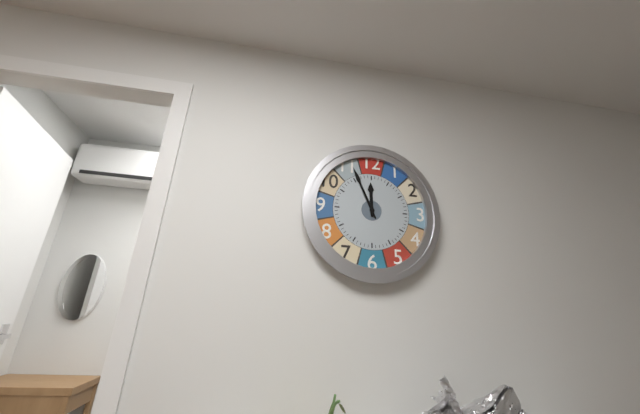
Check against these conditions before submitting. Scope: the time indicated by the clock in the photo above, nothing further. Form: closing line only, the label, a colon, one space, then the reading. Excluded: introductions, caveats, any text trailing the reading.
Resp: 11:56
